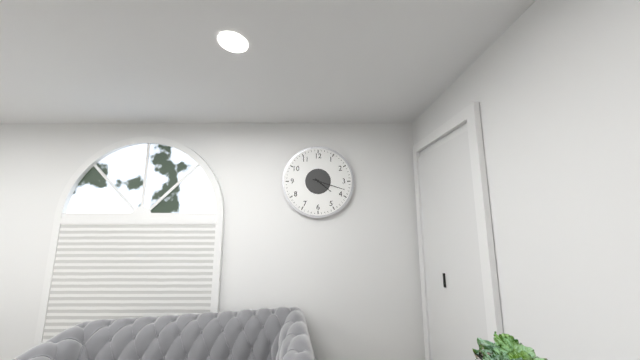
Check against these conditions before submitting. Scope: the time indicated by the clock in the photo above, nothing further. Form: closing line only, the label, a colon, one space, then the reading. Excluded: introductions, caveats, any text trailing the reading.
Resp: 4:18
